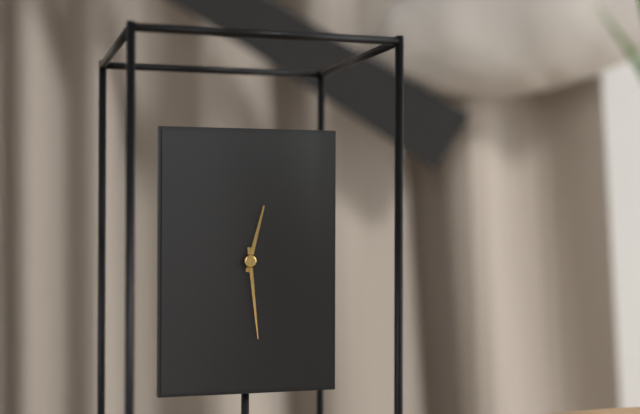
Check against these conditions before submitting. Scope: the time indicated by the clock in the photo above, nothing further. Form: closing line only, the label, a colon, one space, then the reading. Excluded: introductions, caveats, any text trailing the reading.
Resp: 12:29
